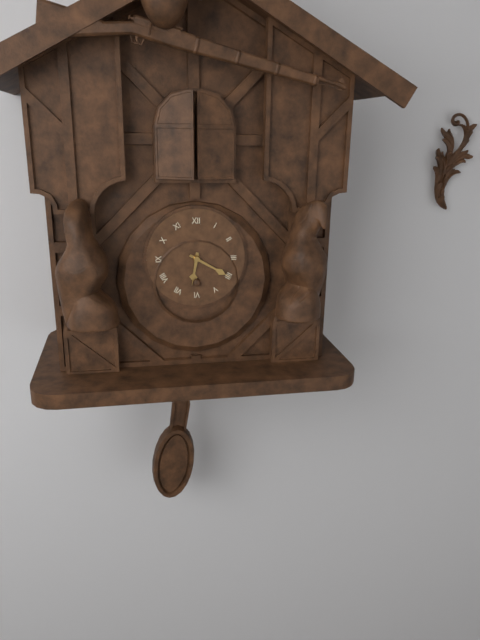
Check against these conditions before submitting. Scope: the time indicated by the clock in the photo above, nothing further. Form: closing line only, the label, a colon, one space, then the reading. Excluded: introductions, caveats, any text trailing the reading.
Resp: 6:20
